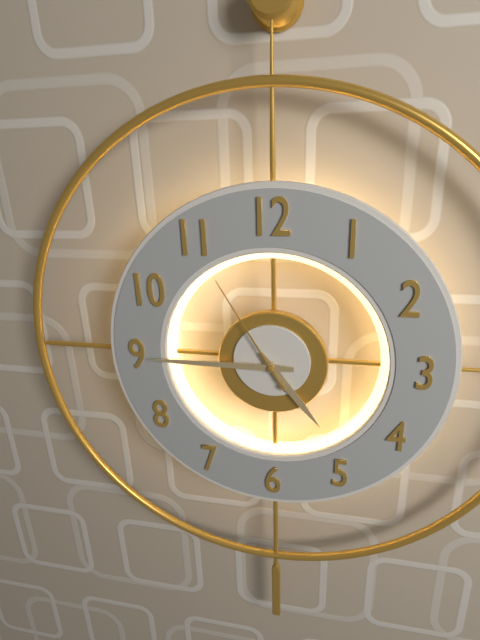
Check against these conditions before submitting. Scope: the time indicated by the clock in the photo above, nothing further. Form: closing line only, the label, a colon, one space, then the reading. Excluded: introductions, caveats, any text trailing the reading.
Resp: 4:45:55
